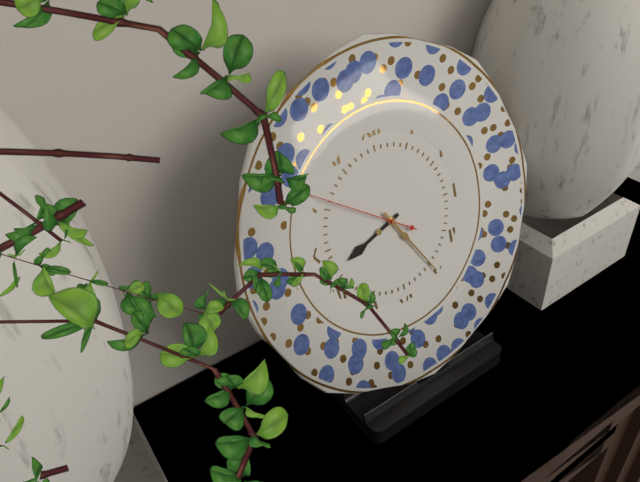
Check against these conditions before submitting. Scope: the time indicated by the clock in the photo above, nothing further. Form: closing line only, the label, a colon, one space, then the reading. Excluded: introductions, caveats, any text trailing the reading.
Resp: 8:25:51
